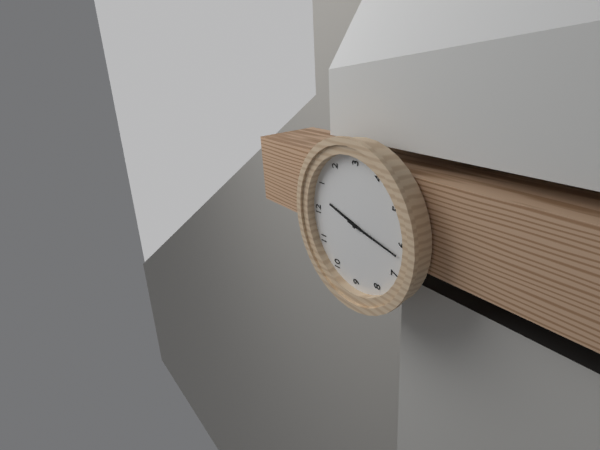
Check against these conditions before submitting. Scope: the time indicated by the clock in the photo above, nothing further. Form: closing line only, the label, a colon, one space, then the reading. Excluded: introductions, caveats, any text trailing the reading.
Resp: 12:32
